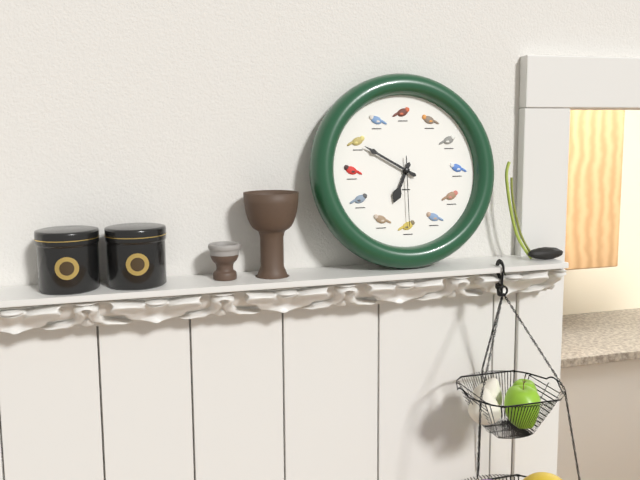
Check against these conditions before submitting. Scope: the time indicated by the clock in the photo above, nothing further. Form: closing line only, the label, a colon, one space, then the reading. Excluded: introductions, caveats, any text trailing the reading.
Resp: 6:50:30
